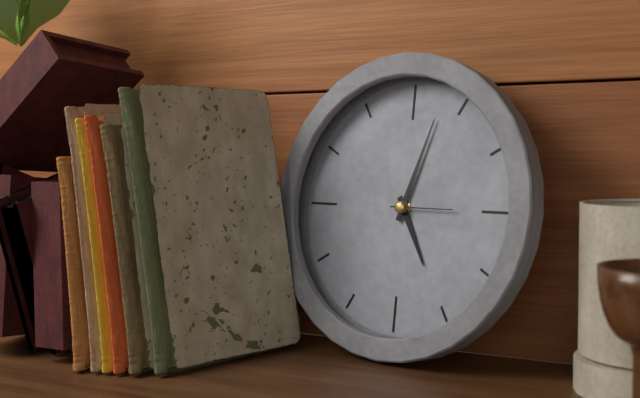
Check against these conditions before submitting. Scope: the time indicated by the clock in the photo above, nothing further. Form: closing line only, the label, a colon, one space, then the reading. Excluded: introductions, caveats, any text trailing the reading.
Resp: 5:03:15
